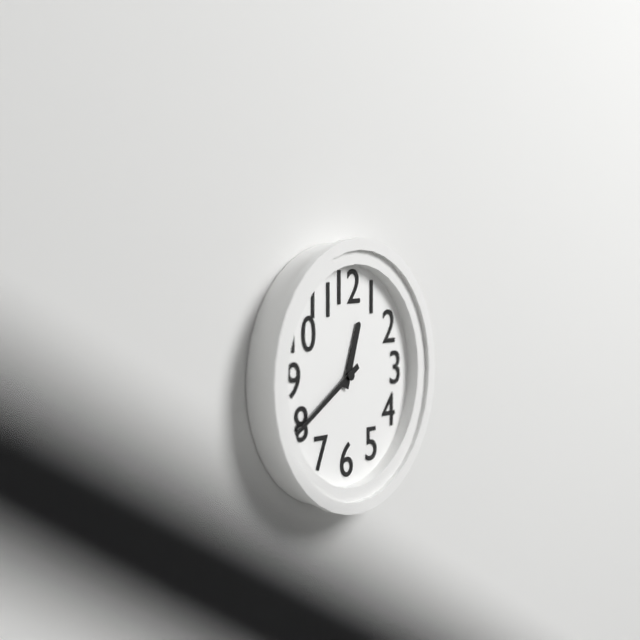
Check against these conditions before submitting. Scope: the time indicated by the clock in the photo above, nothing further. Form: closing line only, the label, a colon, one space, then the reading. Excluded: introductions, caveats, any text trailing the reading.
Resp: 12:40
